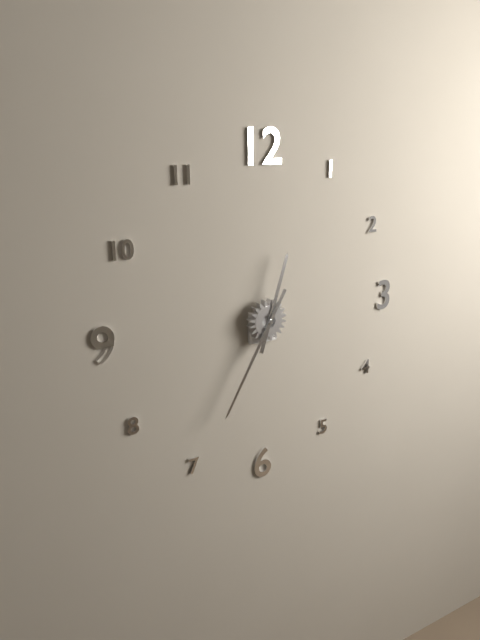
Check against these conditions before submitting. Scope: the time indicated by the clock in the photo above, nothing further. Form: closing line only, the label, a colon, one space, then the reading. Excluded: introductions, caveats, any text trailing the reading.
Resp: 12:35
